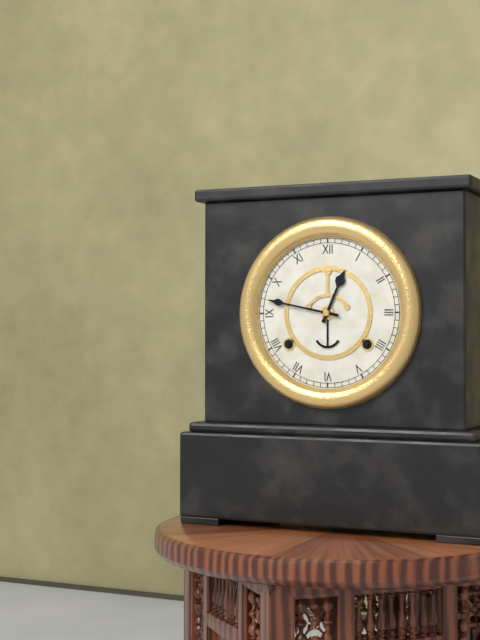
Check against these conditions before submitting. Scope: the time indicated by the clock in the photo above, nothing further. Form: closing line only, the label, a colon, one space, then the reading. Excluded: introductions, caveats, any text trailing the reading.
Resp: 12:47
